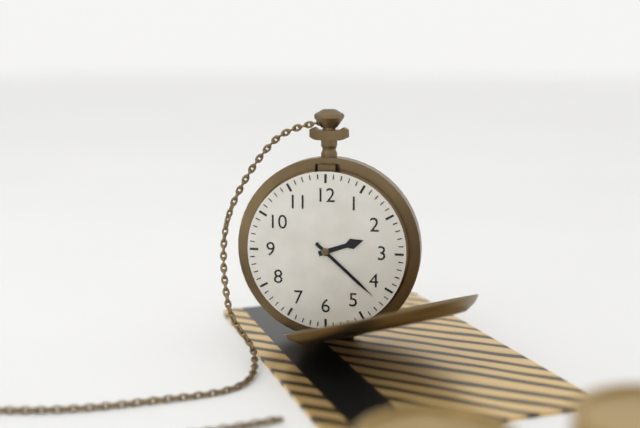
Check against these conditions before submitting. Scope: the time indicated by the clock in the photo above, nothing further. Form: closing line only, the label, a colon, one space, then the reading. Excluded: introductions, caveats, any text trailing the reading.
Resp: 2:22
